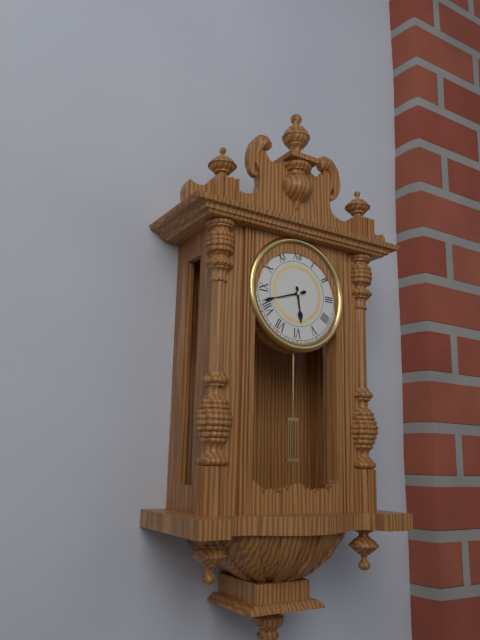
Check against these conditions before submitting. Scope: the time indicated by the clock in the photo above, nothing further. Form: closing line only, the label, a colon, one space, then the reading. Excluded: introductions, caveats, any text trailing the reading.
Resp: 5:42
